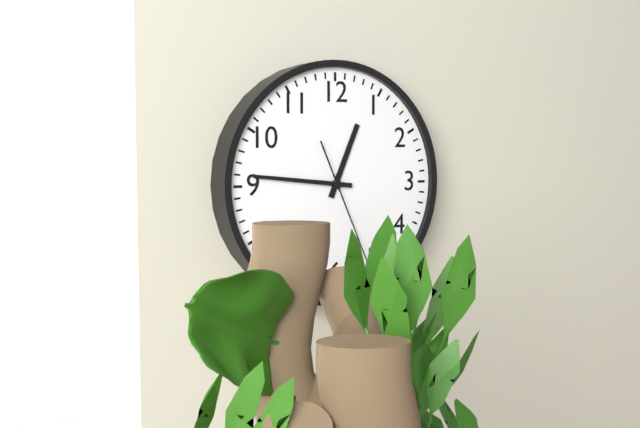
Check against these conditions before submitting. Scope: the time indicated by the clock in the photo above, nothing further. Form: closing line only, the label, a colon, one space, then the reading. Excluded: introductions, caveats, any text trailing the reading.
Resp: 12:46:26
